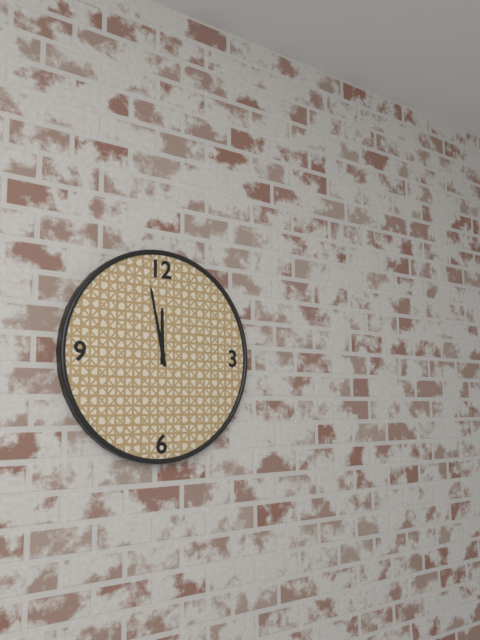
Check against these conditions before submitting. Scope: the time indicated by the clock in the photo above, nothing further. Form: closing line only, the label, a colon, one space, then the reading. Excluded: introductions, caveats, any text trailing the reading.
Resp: 11:58
